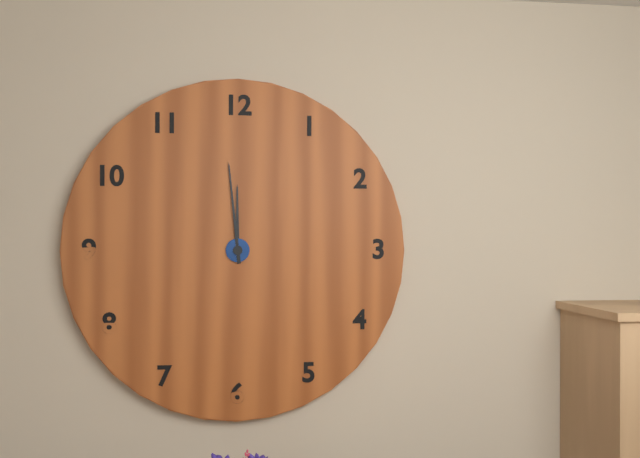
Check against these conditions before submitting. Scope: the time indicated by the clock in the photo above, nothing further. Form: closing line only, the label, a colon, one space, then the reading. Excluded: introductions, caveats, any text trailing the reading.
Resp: 11:59
